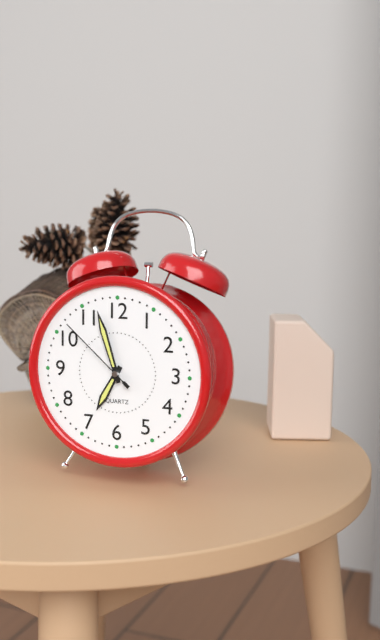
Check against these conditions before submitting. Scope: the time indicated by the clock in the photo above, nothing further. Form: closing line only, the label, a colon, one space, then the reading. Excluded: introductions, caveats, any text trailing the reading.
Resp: 6:57:52
